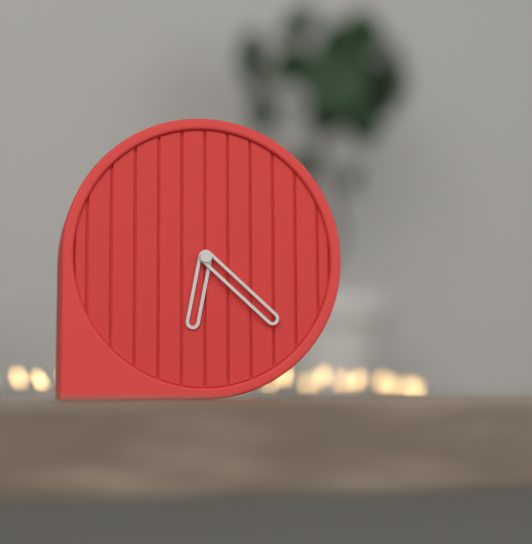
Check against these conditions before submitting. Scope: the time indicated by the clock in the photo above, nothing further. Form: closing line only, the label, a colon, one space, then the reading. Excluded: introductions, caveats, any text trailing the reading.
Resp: 6:22
